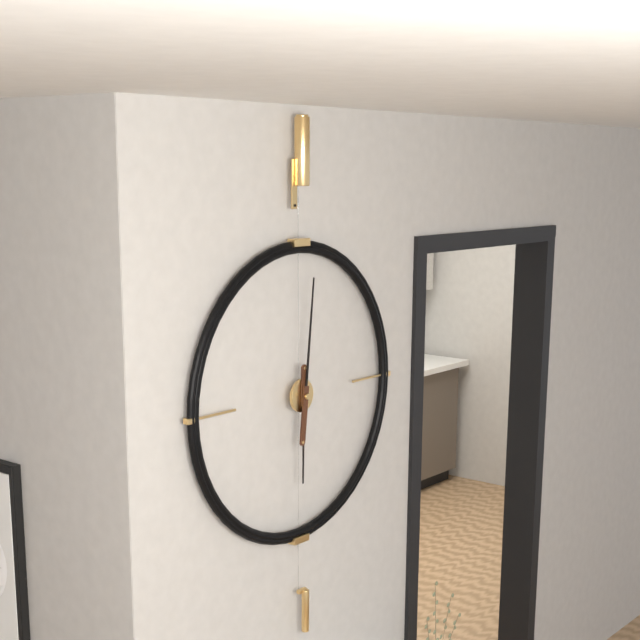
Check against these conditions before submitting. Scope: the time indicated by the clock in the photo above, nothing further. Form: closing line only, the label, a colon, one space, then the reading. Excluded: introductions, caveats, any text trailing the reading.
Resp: 6:01
